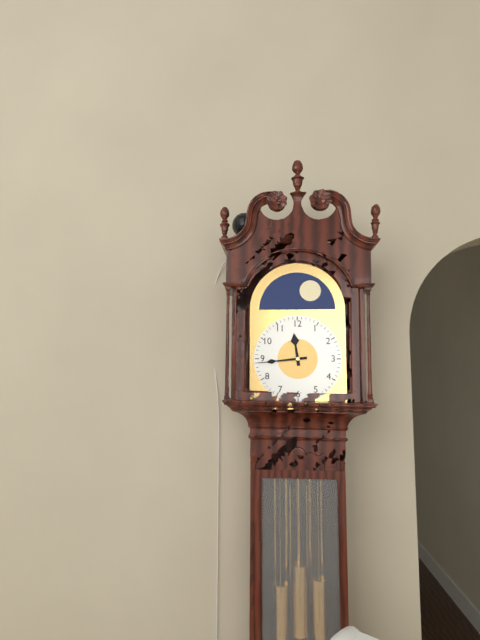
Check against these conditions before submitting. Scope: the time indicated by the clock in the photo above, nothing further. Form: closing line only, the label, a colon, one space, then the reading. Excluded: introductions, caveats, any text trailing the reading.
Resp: 11:44
